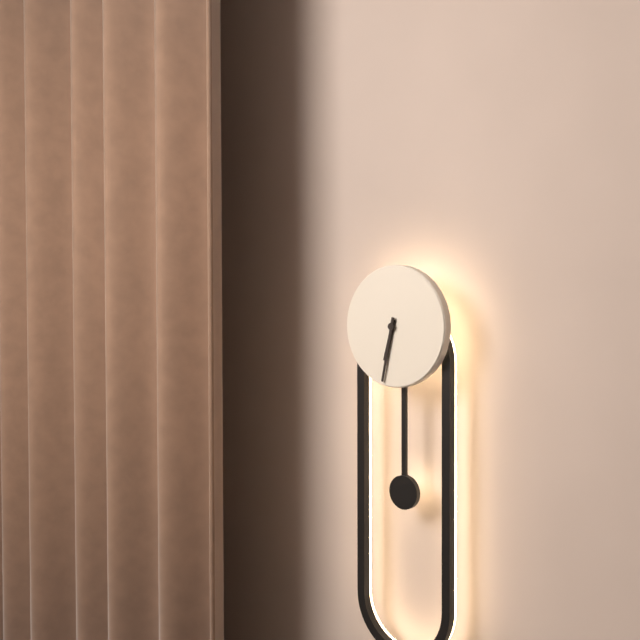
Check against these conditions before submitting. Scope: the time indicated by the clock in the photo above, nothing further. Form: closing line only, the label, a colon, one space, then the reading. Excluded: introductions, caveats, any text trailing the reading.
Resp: 6:32
